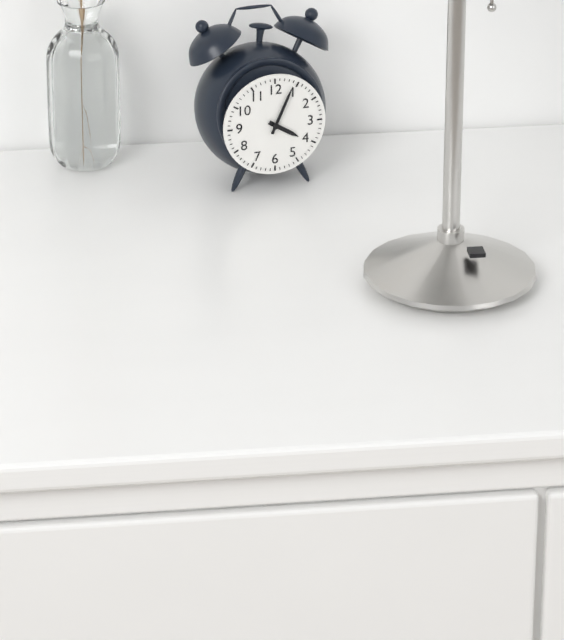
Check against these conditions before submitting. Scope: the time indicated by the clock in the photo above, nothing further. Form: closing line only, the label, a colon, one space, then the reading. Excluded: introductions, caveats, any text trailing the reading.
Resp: 4:04
